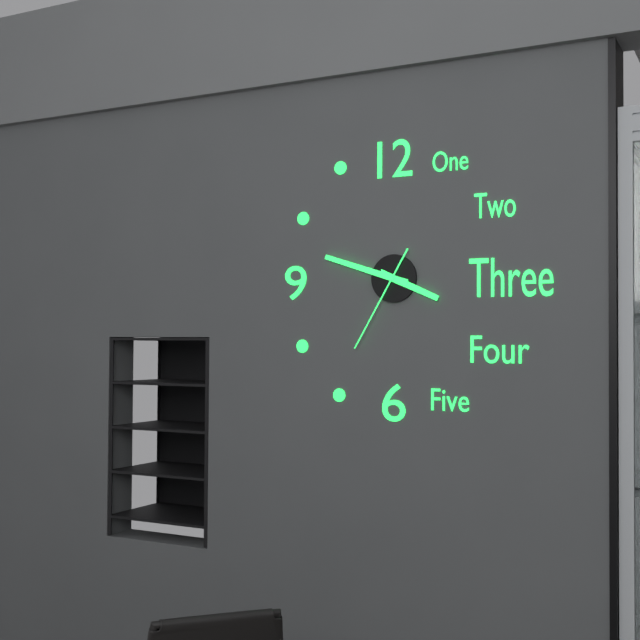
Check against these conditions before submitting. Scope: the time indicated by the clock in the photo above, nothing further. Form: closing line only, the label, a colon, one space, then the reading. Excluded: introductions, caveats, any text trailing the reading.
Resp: 3:48:35
